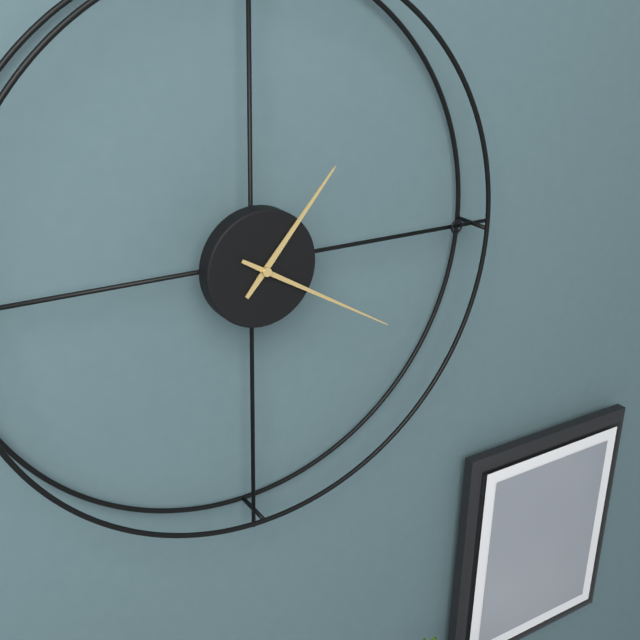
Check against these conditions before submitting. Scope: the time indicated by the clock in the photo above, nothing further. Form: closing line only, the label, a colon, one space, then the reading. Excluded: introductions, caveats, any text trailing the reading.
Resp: 1:20
